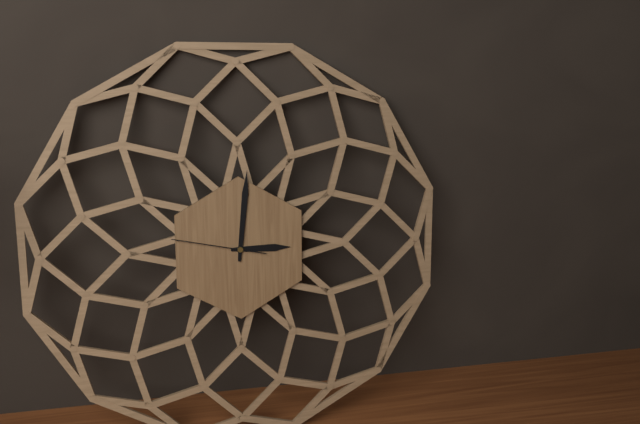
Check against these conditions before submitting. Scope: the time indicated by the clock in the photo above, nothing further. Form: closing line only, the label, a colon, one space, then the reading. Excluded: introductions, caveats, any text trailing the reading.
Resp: 3:01:47
